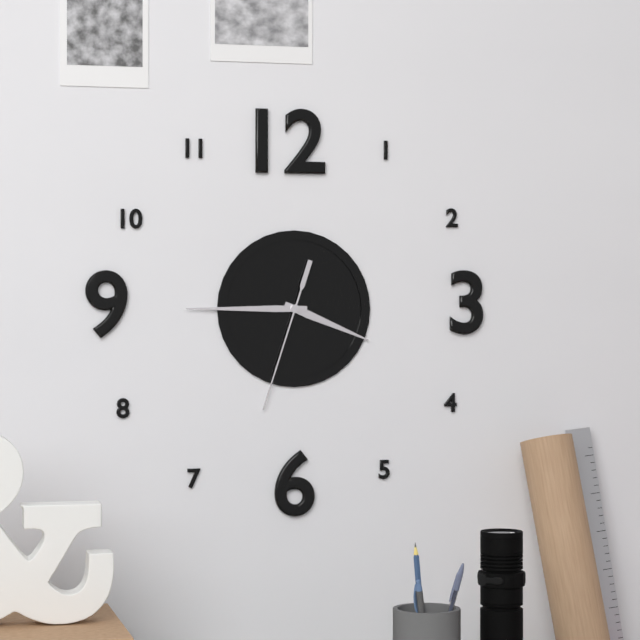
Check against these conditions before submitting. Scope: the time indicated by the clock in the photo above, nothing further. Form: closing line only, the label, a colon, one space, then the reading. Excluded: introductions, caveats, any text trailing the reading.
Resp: 3:45:33
